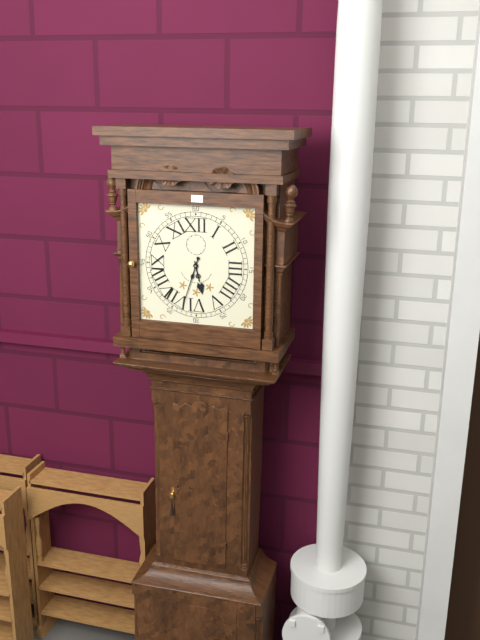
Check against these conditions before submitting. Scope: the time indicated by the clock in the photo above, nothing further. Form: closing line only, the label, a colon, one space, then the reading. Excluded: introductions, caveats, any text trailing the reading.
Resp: 5:33
